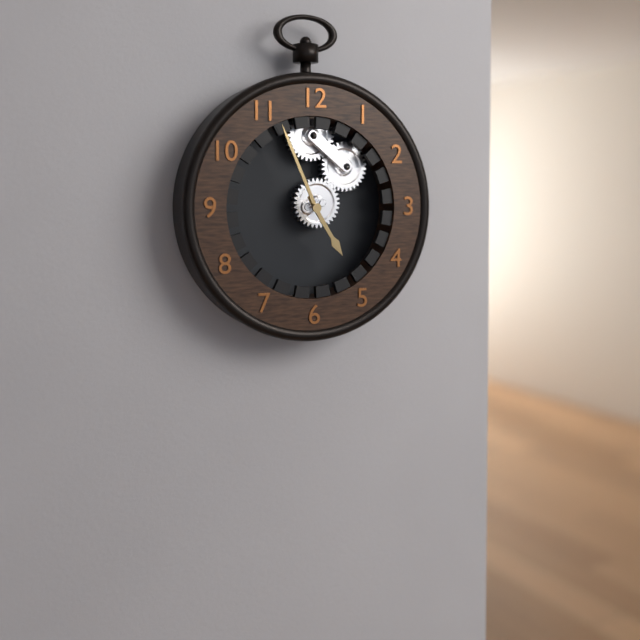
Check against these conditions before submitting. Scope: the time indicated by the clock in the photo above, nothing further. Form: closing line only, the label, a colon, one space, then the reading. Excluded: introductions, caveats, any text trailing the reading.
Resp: 4:56
